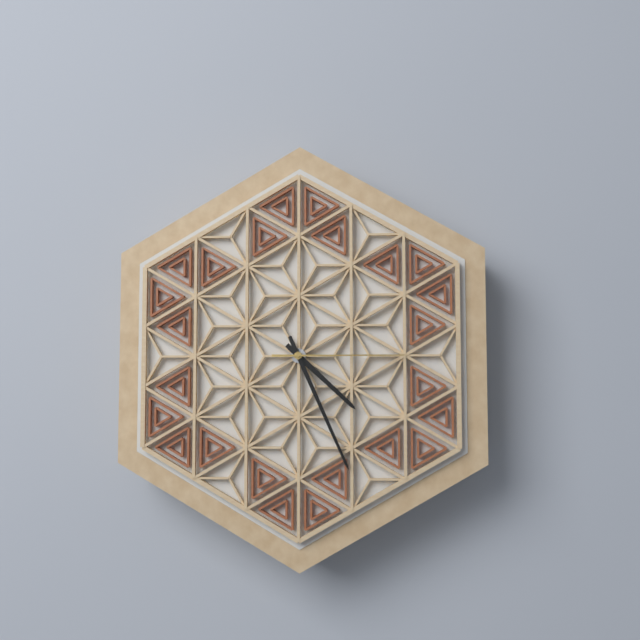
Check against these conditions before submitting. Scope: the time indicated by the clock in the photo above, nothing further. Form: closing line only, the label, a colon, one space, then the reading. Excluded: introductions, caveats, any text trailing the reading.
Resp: 4:26:15
